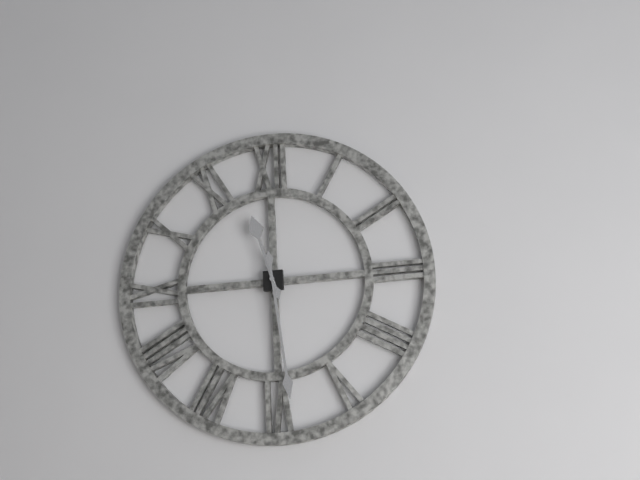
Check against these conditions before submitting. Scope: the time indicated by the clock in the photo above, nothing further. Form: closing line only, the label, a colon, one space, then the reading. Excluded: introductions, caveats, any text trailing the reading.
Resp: 11:29
